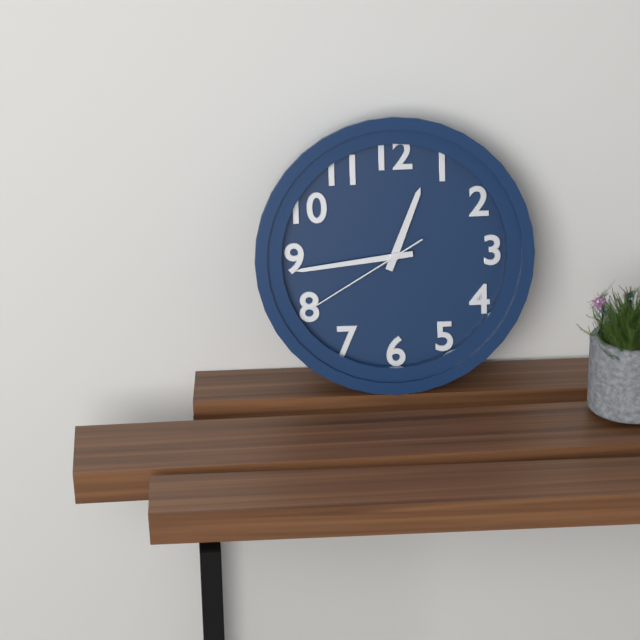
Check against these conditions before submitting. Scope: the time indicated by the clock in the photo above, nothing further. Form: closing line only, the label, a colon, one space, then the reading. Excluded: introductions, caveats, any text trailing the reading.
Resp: 12:44:40
